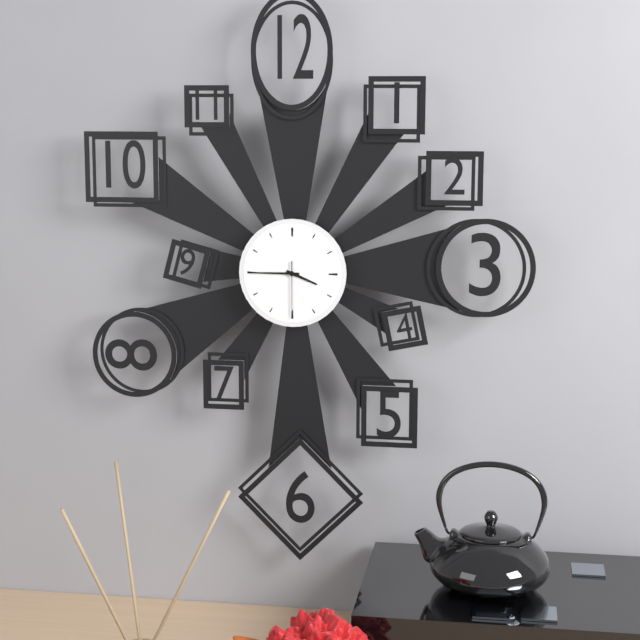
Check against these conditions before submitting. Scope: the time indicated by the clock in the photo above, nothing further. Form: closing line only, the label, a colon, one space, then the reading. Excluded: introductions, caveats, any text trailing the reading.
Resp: 3:45:30
